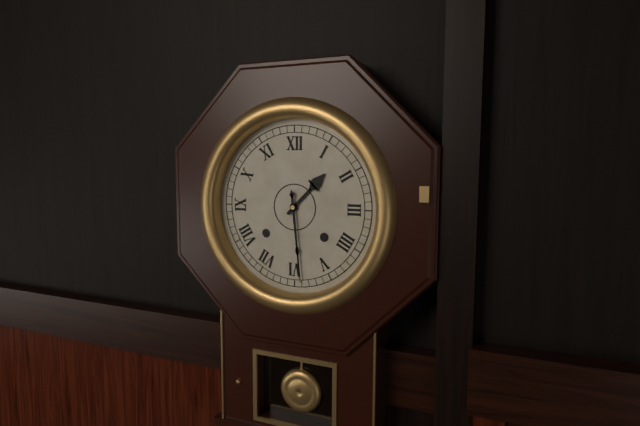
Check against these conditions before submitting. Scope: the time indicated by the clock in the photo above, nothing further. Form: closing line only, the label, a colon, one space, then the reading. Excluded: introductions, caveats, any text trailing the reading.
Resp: 1:29
